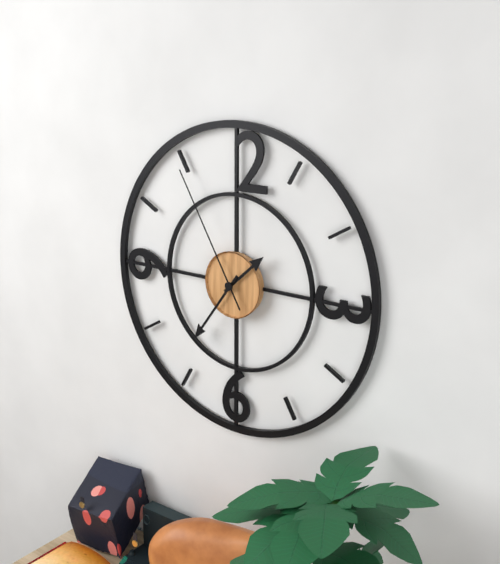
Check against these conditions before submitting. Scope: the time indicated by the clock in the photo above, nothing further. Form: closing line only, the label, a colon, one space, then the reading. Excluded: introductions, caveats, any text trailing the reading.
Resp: 1:36:55
